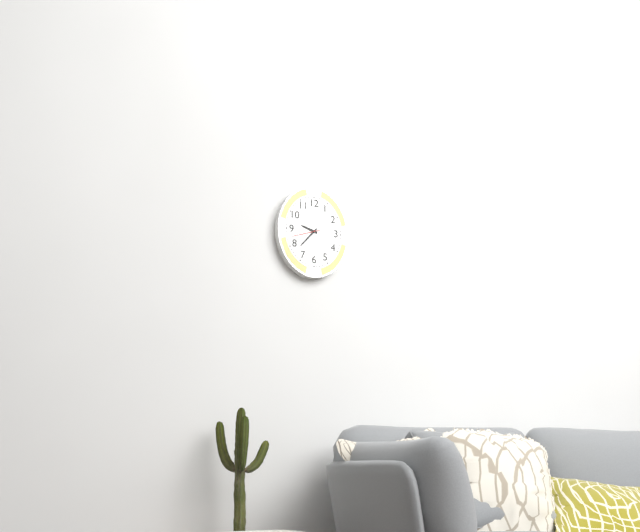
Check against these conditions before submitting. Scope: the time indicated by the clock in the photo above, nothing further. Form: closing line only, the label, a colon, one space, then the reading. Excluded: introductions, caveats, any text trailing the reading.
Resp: 9:37
